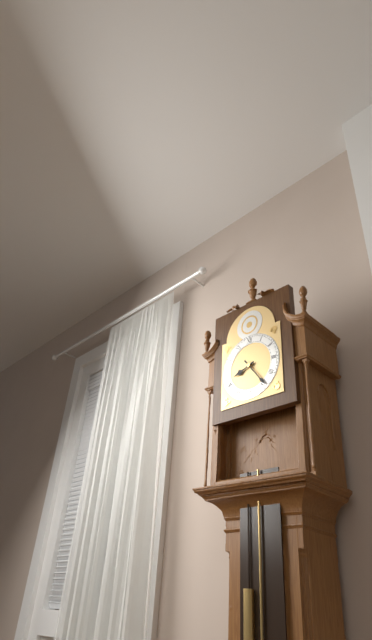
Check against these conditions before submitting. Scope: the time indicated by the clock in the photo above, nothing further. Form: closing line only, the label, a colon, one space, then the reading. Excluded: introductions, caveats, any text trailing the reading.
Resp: 8:24
